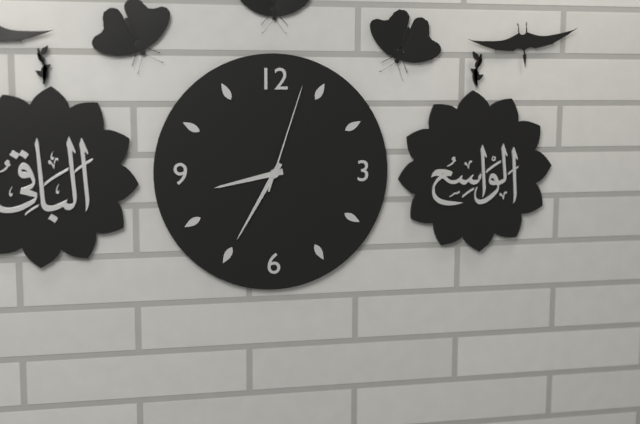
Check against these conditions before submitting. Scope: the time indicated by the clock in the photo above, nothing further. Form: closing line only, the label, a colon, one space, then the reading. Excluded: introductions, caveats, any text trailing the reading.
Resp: 8:35:03
